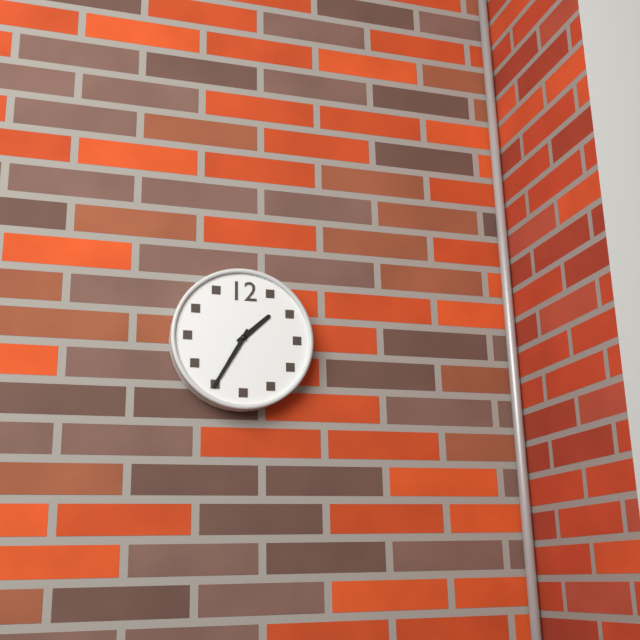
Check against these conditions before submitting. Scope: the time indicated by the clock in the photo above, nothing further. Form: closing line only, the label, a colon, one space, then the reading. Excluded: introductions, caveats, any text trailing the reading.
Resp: 1:35
